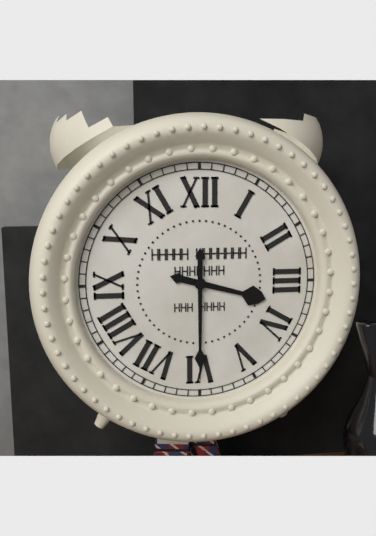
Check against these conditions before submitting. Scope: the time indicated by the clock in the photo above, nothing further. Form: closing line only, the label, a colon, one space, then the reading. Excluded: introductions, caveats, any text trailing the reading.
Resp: 3:30
